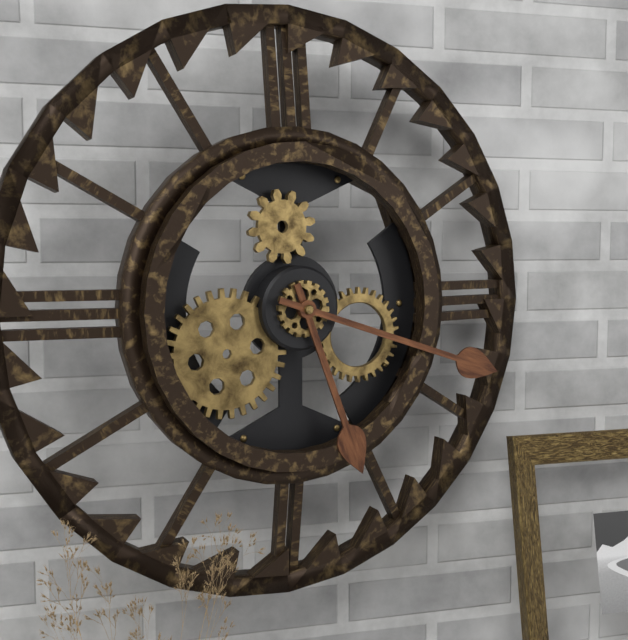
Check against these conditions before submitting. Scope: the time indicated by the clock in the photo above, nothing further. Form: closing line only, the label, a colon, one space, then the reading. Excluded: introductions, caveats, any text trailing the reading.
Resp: 5:18
